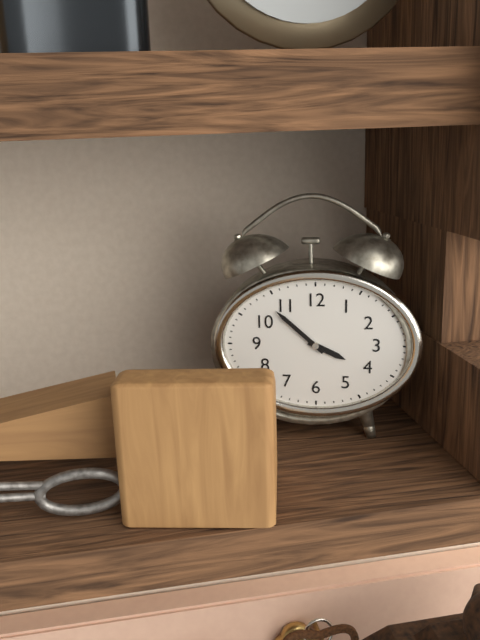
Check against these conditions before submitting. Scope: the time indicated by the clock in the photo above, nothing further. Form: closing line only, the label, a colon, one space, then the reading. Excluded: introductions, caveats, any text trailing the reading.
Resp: 3:52
